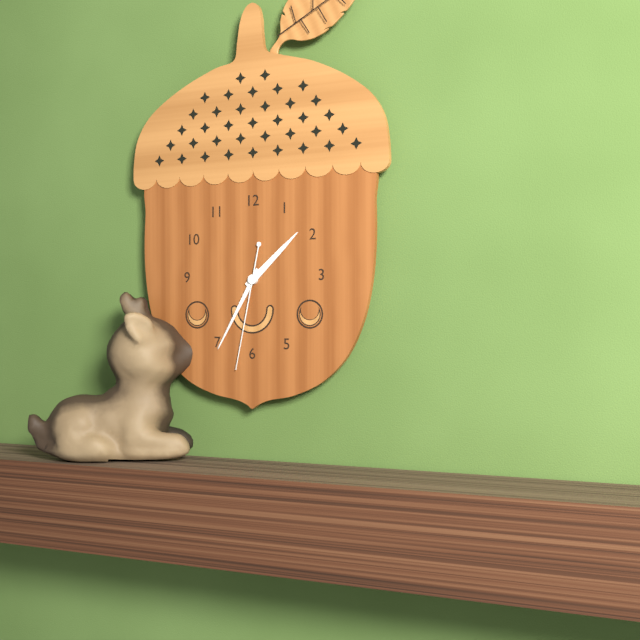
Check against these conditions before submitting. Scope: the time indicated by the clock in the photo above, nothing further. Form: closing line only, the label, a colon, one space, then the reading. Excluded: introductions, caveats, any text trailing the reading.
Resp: 1:35:32
